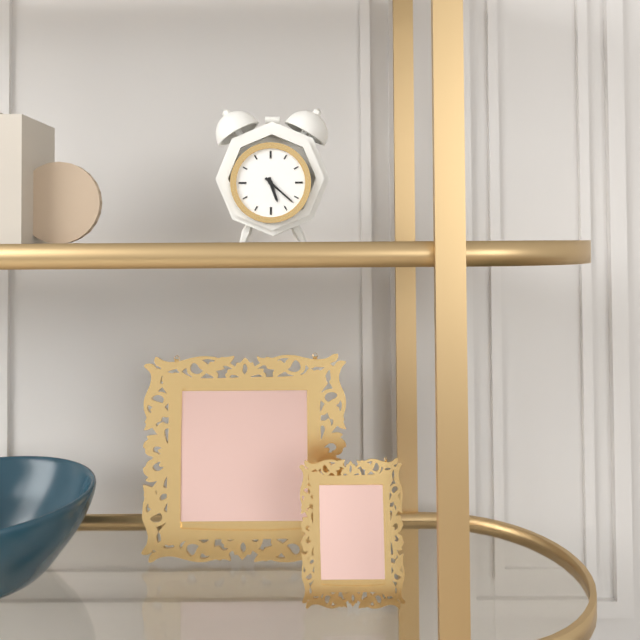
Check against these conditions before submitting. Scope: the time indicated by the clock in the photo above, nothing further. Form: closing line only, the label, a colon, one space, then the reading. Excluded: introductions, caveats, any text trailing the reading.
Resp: 5:22
